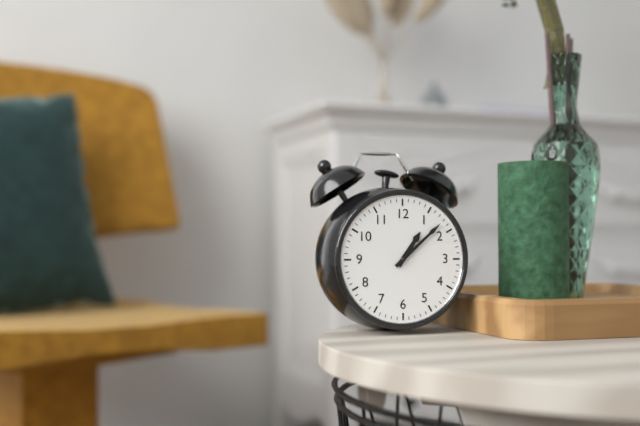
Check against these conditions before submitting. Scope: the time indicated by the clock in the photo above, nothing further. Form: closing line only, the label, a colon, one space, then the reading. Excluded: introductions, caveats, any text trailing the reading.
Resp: 1:08
